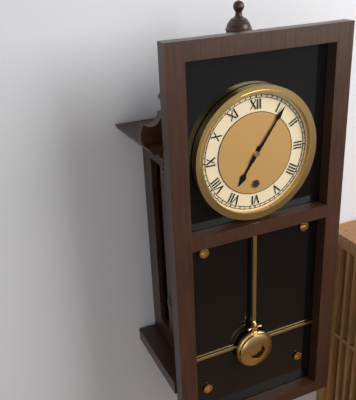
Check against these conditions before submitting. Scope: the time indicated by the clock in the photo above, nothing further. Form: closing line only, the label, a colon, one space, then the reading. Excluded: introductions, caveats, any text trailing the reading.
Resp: 7:06
